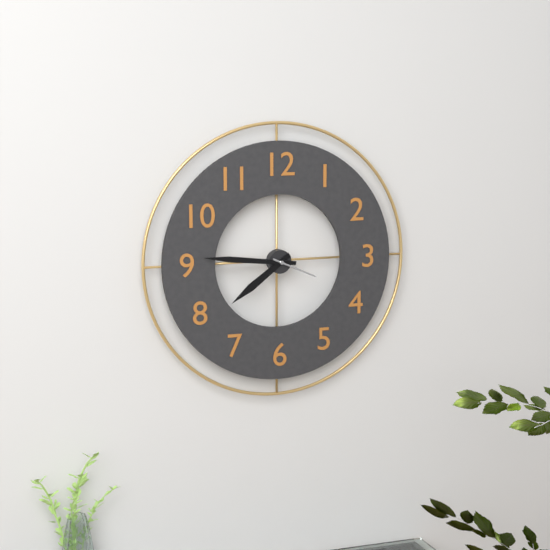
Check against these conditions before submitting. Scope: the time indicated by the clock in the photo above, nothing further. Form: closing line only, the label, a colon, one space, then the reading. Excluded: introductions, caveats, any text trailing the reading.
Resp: 7:46
